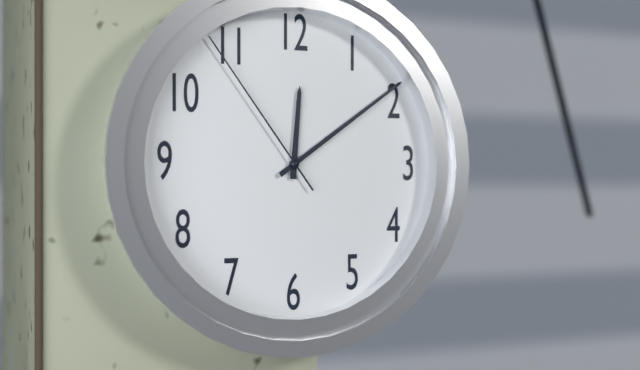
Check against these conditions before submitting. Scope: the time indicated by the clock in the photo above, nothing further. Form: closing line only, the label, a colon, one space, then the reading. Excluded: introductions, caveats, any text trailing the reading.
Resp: 12:09:54
